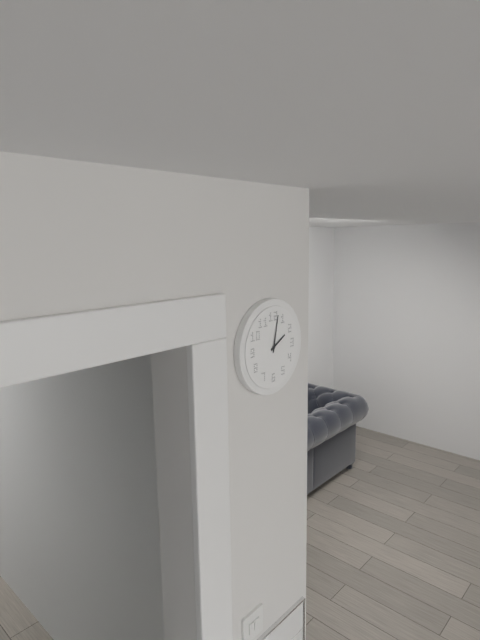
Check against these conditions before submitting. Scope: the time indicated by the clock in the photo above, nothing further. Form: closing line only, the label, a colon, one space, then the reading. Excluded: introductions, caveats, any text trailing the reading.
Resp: 2:02
